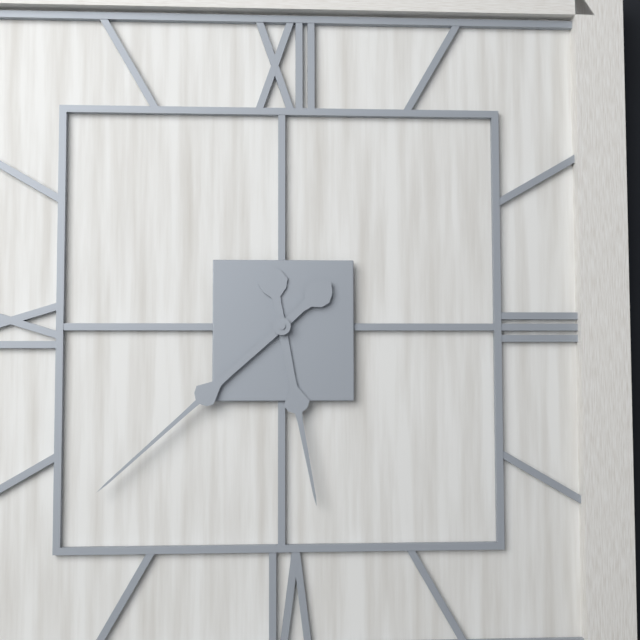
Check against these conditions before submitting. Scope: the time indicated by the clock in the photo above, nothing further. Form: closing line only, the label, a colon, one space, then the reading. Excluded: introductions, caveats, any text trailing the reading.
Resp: 5:38
